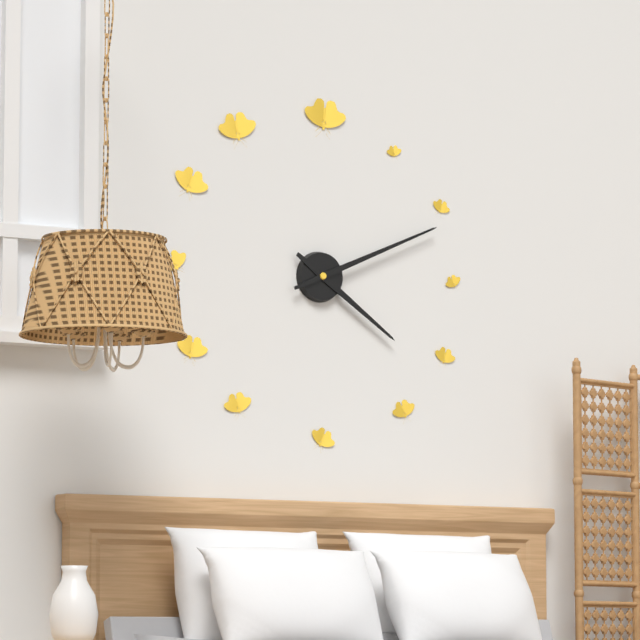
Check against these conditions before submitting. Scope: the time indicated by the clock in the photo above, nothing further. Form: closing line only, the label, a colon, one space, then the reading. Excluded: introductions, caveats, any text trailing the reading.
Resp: 4:11
